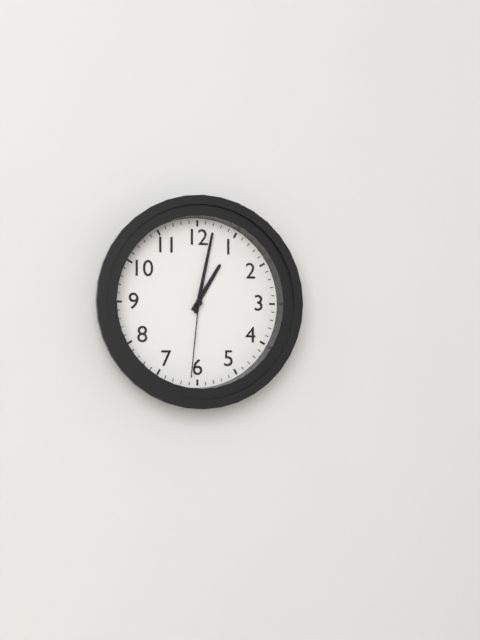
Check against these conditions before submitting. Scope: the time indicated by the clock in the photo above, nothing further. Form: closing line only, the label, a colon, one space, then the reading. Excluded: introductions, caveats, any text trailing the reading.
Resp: 1:02:31
